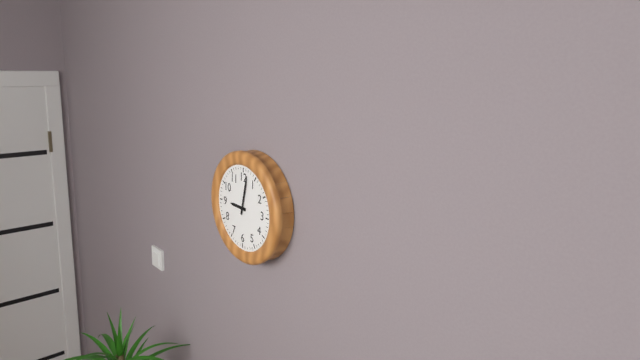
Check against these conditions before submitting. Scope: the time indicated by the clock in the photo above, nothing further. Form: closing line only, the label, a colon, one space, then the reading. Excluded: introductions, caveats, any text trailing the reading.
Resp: 9:02
